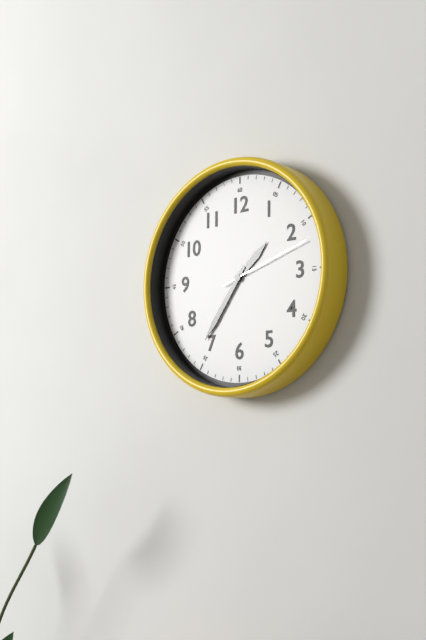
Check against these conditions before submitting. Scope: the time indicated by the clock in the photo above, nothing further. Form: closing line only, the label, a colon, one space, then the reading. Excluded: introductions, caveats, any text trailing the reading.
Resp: 1:36:12
